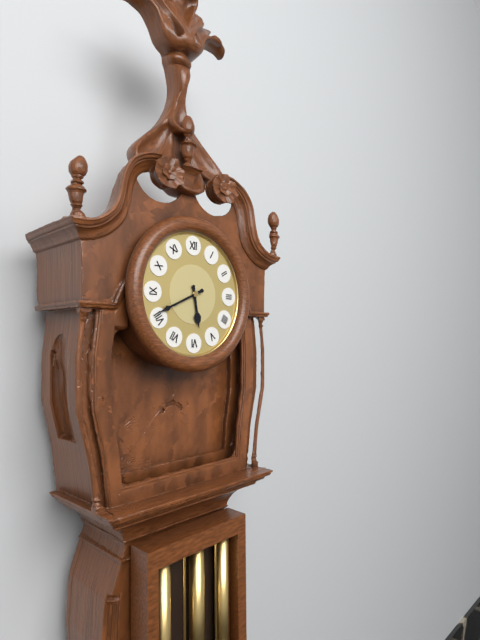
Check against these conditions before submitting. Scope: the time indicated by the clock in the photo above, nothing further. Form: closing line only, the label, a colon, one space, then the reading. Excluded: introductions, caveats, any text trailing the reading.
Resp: 5:41
